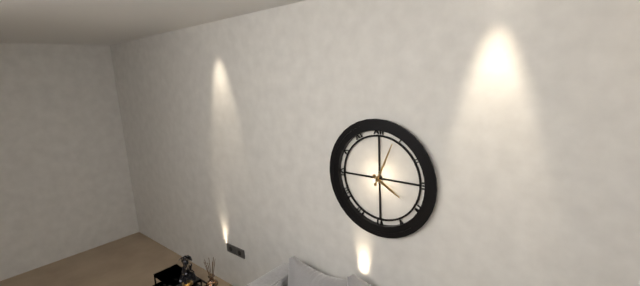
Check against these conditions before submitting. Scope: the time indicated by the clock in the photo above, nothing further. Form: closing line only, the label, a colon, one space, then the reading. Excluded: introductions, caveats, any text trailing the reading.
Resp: 4:04
